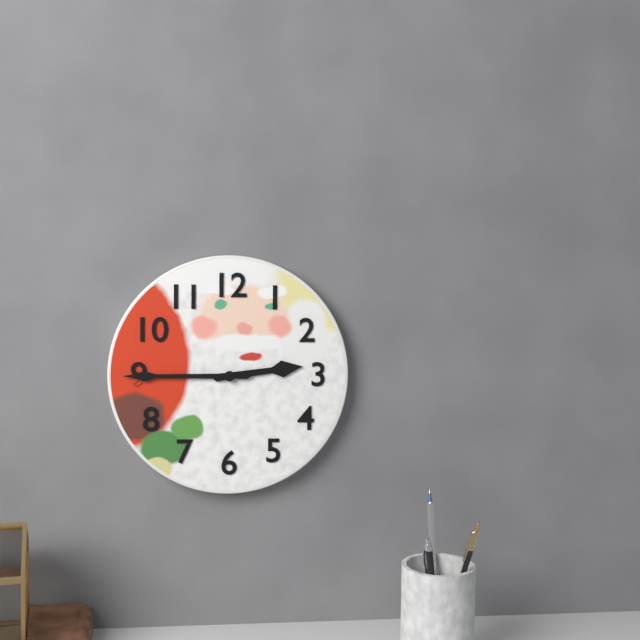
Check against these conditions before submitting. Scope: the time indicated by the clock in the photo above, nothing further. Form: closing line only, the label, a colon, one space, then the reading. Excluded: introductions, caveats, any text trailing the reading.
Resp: 2:45
